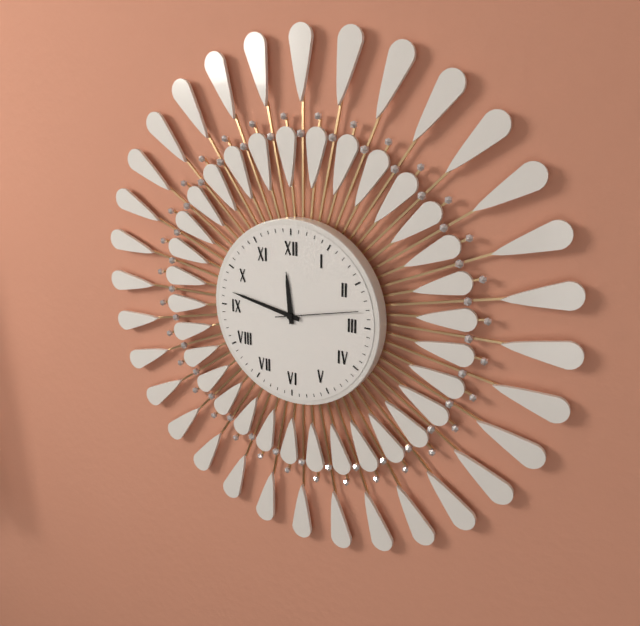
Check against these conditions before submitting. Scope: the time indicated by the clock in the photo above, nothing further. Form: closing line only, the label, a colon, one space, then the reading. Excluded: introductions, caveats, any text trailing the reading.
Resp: 11:47:13
